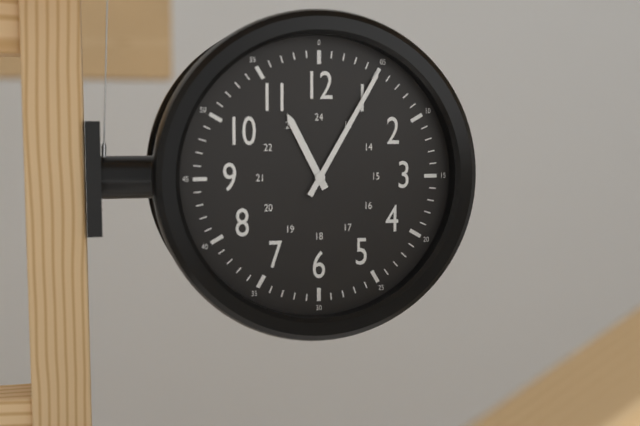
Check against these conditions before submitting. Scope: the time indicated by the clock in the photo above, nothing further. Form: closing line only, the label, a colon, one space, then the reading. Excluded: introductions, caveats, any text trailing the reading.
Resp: 11:05
